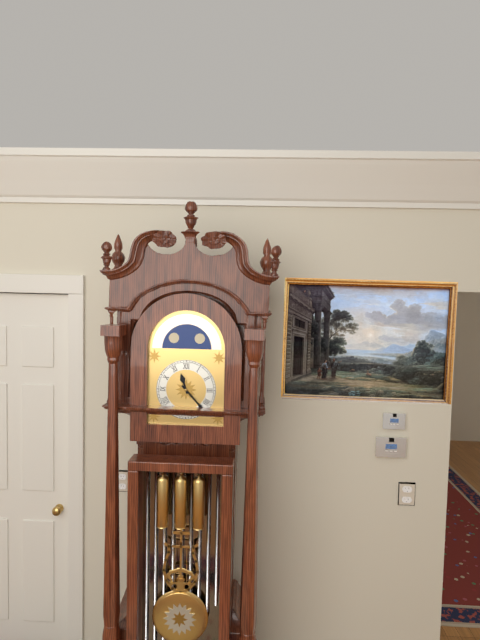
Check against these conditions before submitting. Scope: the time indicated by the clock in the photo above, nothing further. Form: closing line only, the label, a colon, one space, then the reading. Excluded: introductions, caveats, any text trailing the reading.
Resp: 11:23
